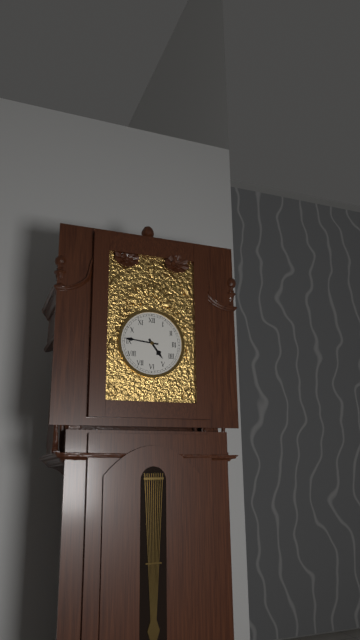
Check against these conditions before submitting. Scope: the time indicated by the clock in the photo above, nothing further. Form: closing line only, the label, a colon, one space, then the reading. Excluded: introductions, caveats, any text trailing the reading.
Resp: 4:46
